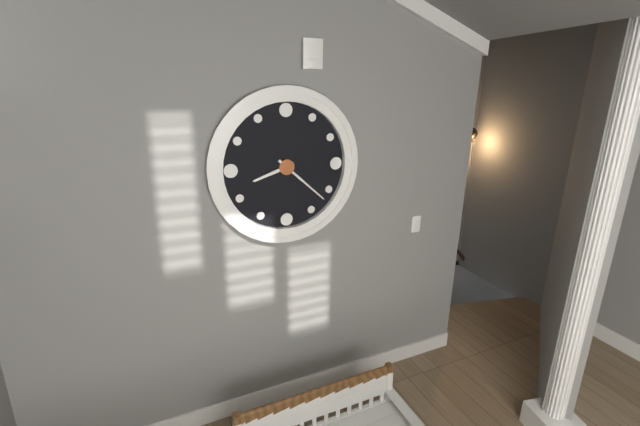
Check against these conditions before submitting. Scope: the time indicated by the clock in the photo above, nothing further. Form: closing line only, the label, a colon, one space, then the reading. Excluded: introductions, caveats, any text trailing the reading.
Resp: 8:22
